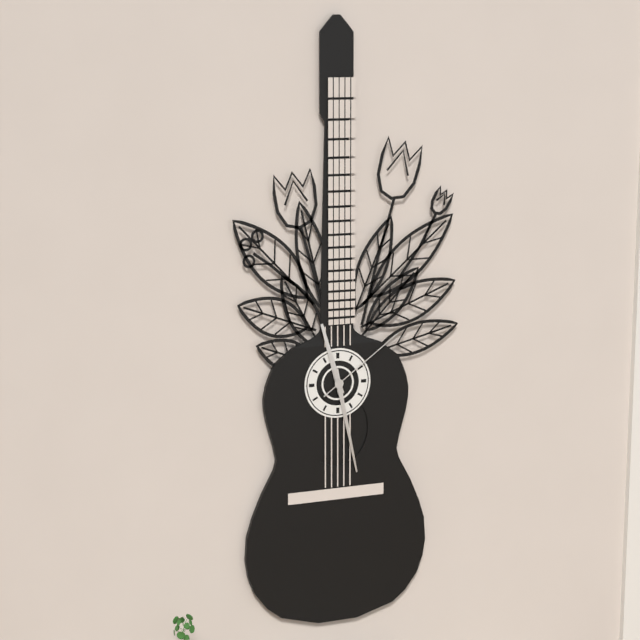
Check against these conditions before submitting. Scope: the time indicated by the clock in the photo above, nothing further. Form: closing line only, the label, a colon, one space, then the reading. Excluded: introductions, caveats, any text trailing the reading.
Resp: 11:28:09
